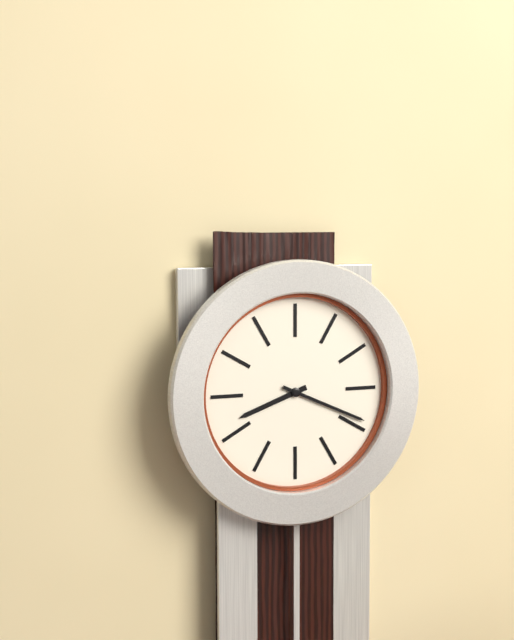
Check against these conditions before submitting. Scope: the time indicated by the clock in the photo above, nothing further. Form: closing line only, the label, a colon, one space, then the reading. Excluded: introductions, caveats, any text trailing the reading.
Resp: 8:19
